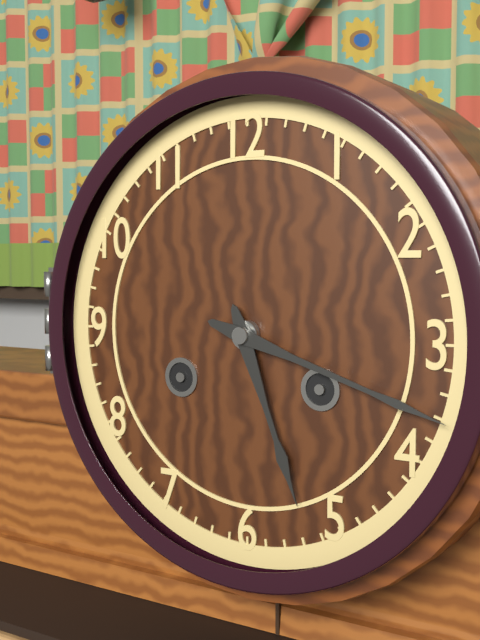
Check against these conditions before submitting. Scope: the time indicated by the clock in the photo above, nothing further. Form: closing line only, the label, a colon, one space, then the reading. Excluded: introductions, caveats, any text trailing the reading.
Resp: 5:18
